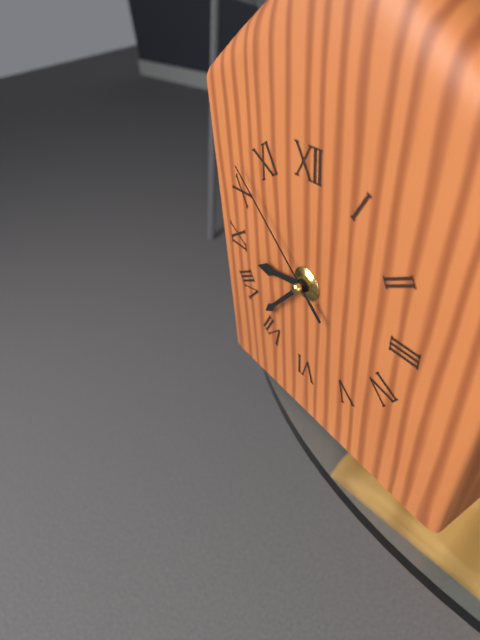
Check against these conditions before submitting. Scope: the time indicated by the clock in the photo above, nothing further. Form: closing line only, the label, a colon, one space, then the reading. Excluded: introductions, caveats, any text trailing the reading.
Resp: 8:37:52
